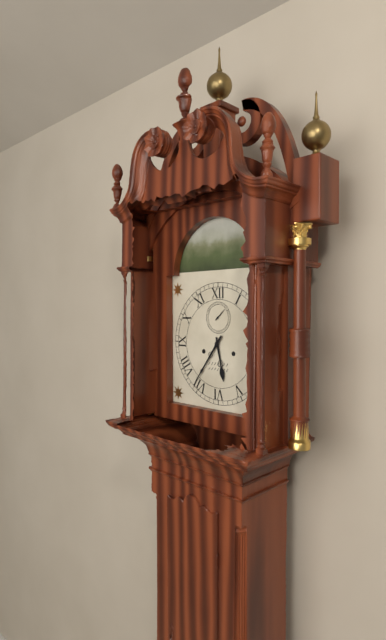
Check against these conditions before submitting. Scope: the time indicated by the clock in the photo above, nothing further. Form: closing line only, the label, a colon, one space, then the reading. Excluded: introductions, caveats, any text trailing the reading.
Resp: 5:36
